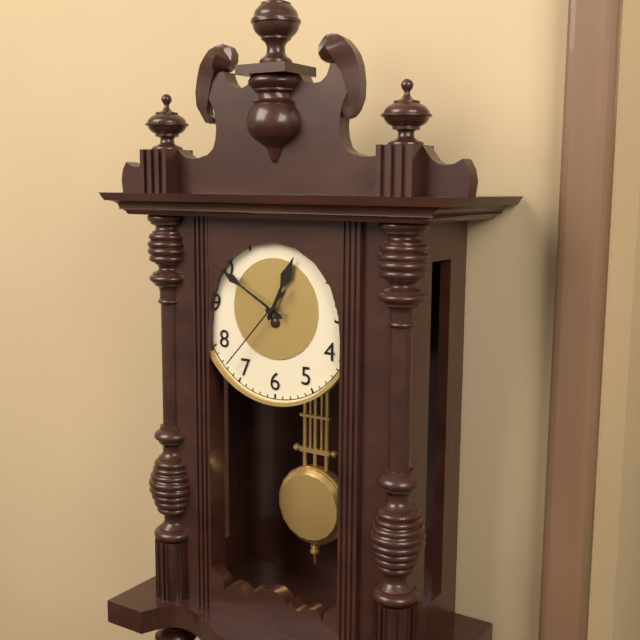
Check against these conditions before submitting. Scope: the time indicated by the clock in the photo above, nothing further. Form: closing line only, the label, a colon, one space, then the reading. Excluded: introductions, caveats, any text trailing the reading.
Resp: 12:50:37
